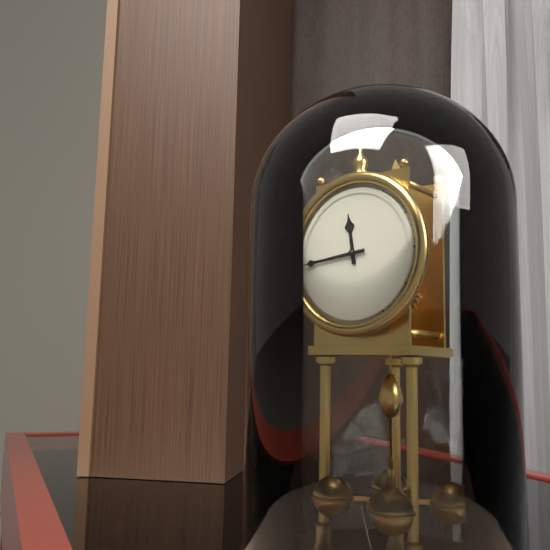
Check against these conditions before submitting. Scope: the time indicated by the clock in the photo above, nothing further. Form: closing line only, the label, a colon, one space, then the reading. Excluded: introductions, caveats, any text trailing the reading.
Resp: 11:44
